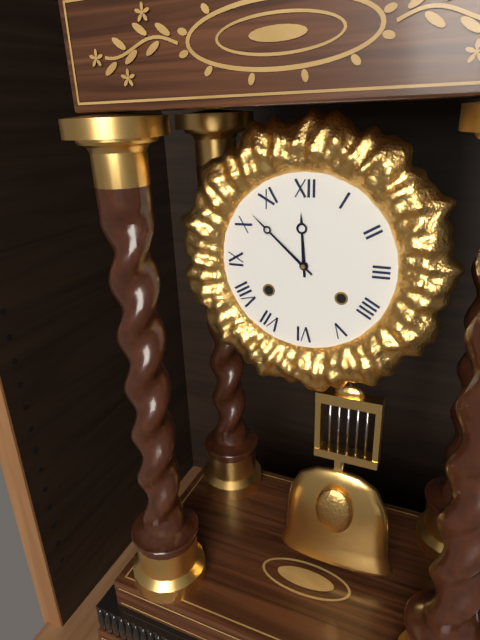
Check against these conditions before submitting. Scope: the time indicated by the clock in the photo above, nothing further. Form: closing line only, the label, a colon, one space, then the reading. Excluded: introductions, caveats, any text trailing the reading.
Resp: 11:52
